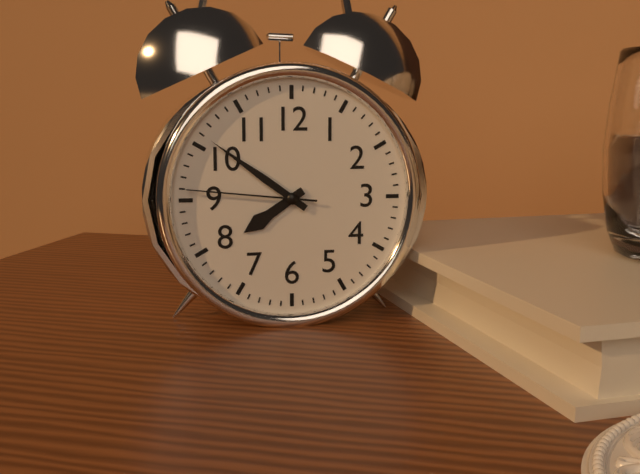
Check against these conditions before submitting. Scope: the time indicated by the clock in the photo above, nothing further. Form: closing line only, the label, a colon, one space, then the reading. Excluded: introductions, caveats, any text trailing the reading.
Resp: 7:51:46
